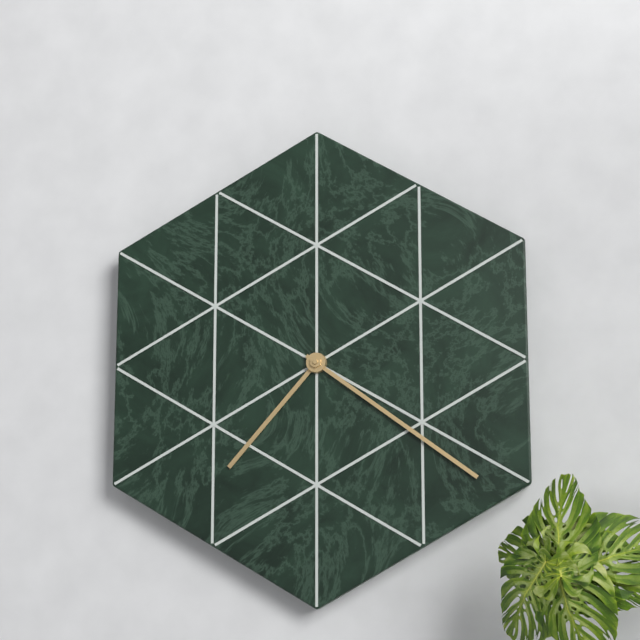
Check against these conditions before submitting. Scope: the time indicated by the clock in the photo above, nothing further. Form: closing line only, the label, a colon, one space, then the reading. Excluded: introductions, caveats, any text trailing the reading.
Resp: 7:21
